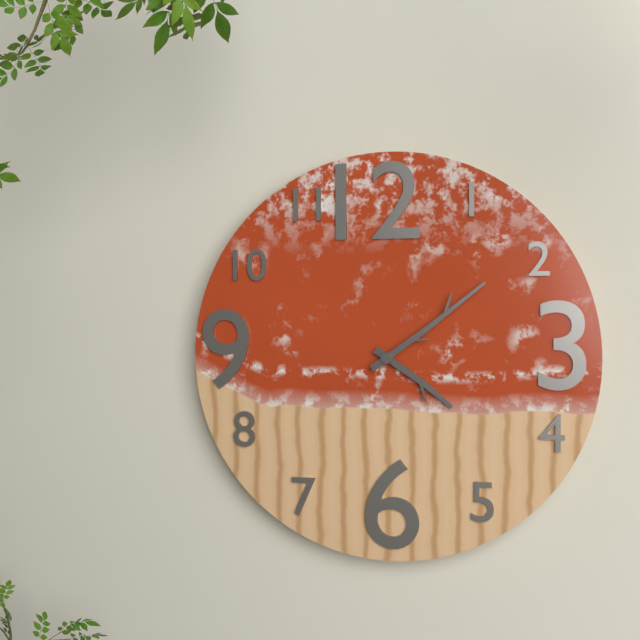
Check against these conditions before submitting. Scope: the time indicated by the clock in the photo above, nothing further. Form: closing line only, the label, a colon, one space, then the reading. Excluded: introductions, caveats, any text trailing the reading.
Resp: 4:09
